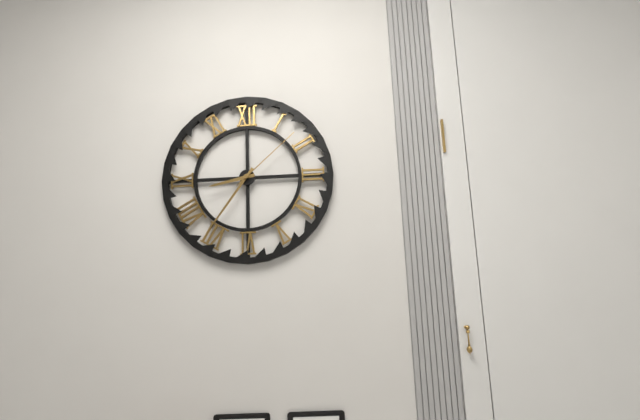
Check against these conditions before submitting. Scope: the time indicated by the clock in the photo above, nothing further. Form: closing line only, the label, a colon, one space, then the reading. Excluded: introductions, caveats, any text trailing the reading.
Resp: 8:36:08
